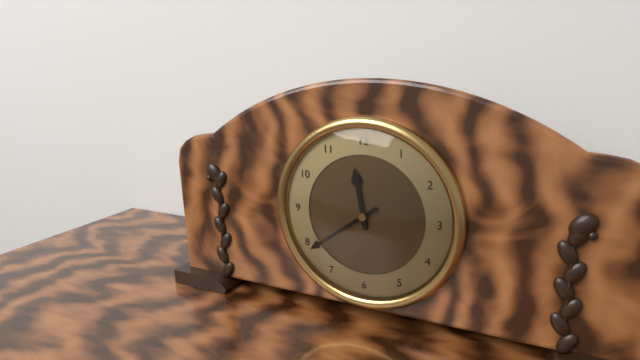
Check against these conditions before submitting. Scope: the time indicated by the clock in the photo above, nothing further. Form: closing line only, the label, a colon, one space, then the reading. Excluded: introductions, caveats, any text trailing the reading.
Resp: 11:39
